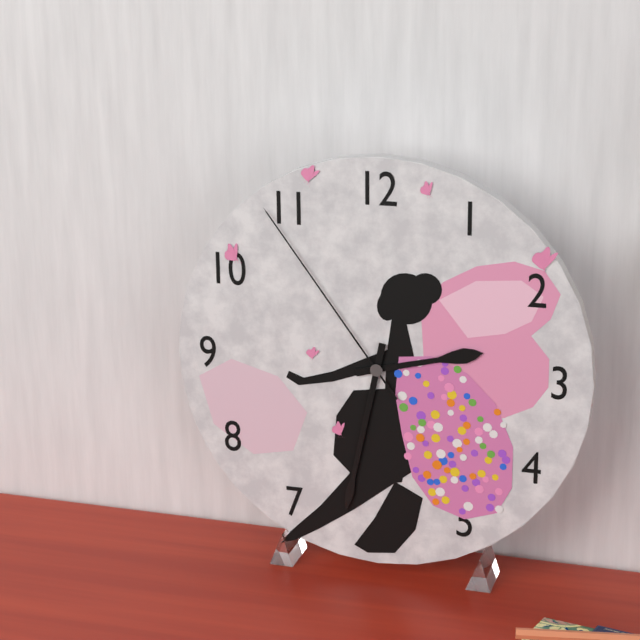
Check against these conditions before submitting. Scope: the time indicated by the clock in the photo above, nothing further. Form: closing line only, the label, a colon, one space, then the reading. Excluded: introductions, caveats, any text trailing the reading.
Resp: 2:32:54
